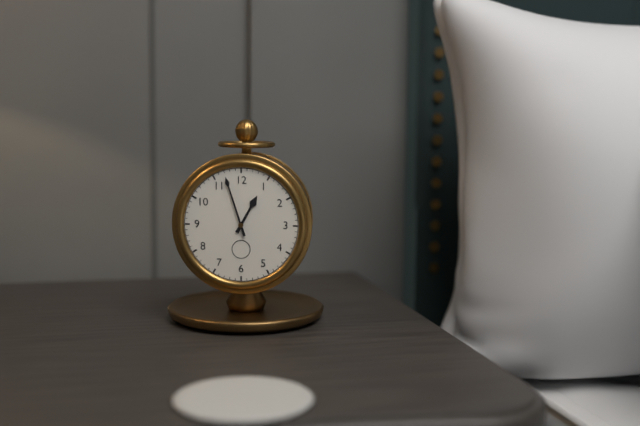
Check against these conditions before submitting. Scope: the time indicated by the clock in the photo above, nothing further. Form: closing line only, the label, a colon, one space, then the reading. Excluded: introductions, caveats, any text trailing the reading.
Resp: 12:57
